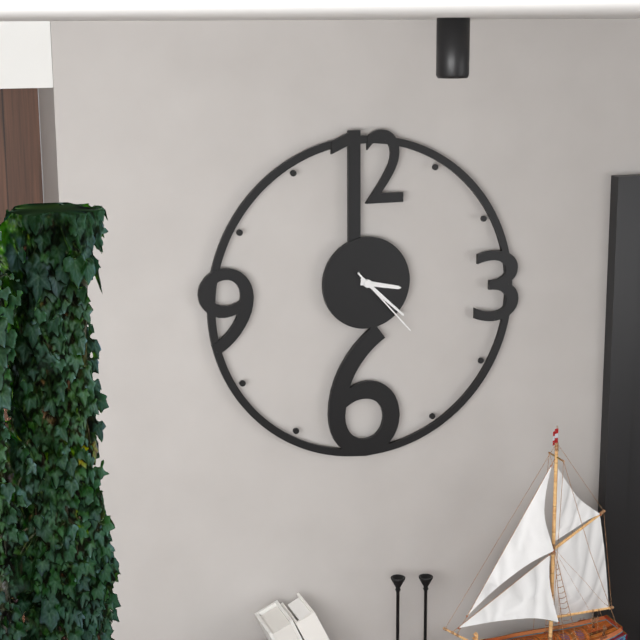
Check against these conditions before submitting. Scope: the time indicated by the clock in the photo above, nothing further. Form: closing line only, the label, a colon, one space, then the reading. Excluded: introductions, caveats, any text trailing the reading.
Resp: 3:22:23
